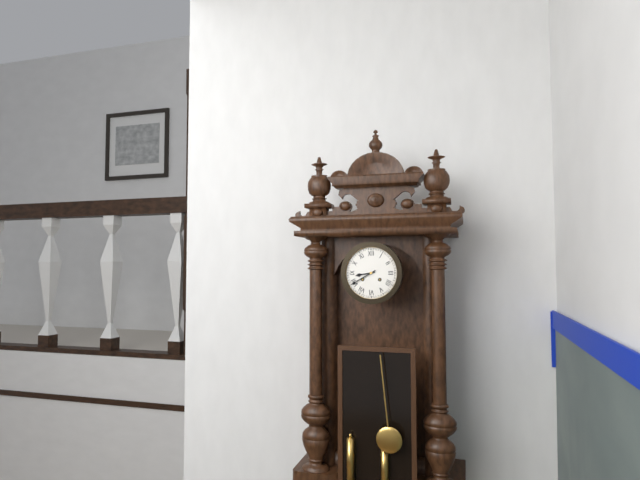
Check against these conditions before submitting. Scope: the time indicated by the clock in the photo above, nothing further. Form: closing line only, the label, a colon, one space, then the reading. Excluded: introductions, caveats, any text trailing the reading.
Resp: 8:40
